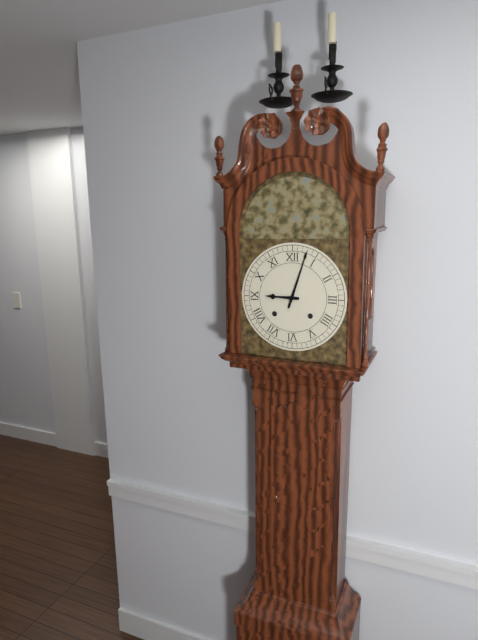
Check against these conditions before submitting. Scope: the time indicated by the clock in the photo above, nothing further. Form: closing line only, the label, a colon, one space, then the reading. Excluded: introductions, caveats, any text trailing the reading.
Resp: 9:03
